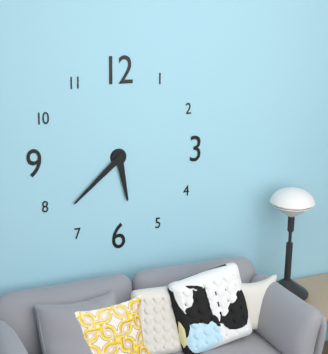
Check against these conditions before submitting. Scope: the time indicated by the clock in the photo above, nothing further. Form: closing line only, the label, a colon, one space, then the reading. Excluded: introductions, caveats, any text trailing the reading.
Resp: 5:38
